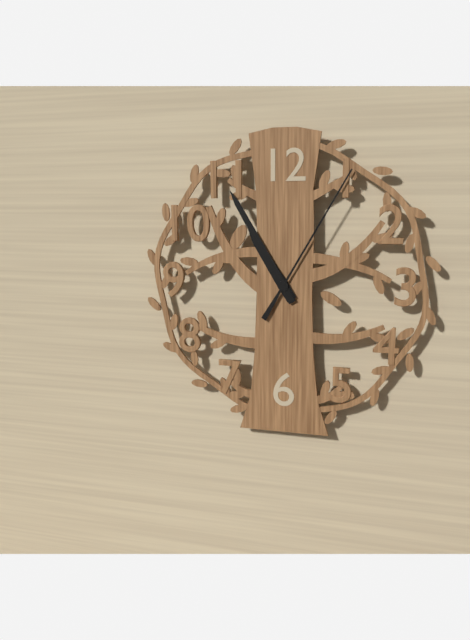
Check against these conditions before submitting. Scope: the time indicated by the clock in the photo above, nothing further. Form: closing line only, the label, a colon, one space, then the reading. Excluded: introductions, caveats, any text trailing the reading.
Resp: 10:55:05
